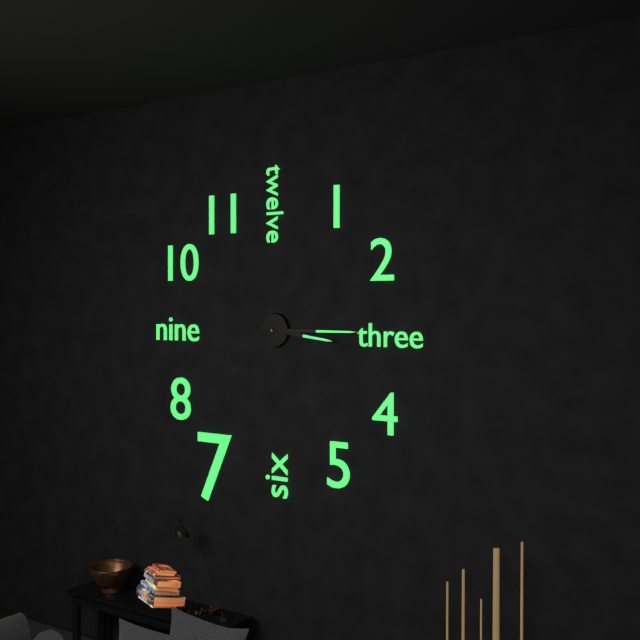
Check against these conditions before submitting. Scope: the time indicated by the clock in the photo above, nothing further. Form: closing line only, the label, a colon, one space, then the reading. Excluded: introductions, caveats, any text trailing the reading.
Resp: 3:15
